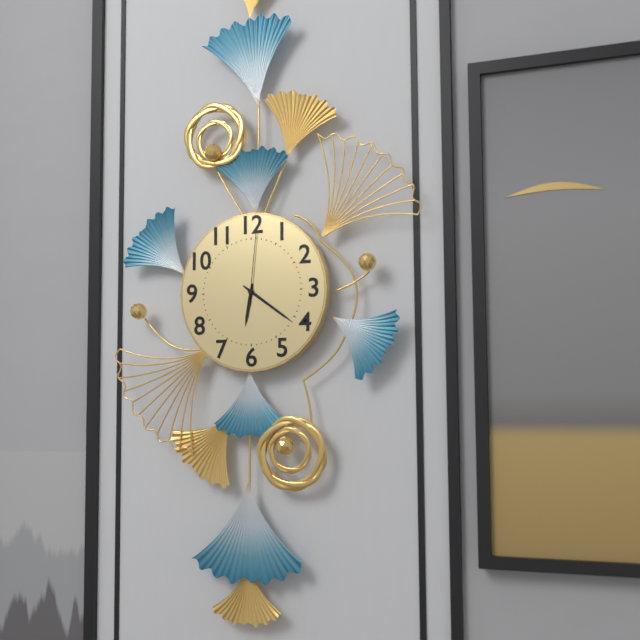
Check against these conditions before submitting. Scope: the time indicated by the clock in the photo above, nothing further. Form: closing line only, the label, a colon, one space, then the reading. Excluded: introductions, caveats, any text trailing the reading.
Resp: 6:21:01
